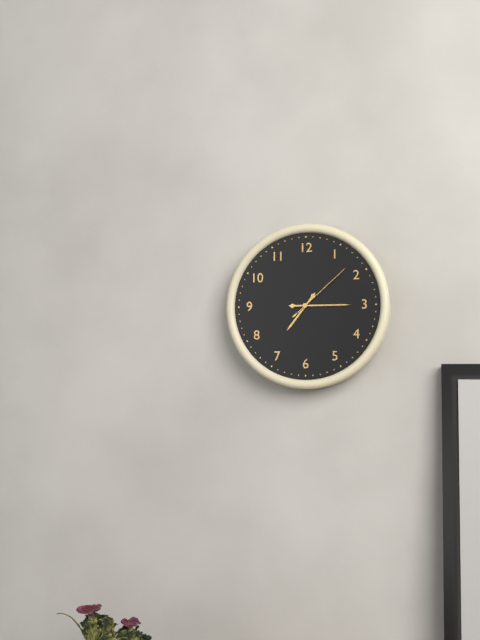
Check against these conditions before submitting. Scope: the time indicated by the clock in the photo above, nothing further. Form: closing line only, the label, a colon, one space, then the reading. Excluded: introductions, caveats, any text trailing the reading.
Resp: 7:15:08
